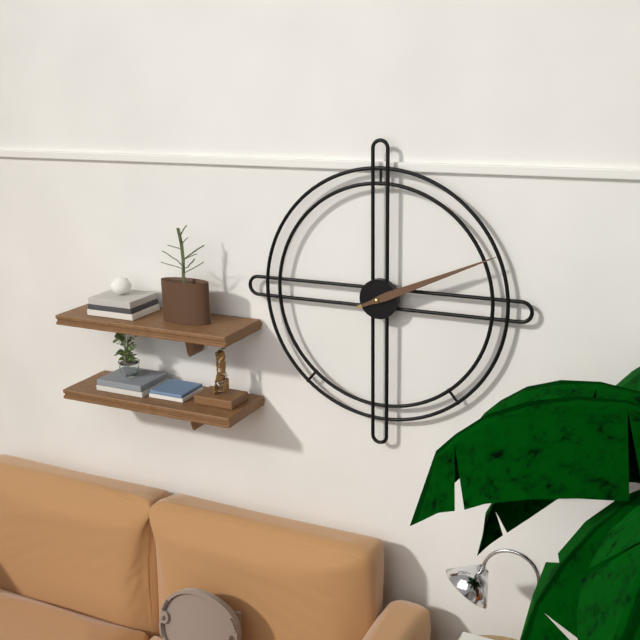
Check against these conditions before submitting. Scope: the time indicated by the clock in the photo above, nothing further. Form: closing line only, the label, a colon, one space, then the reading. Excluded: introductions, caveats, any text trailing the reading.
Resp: 2:11
